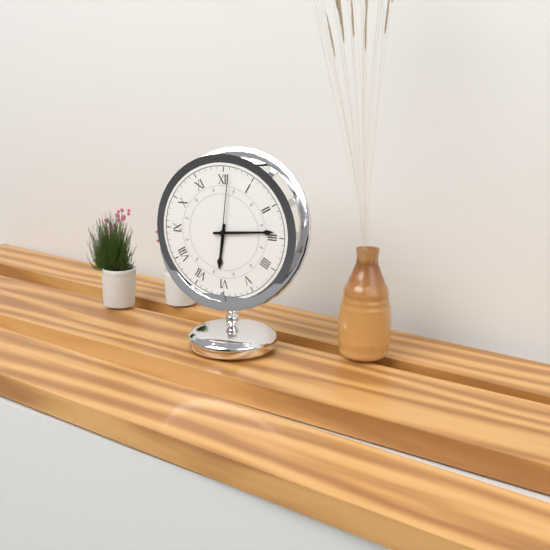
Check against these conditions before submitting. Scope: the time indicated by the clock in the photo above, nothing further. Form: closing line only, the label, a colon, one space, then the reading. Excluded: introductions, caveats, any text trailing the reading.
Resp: 6:14:01
